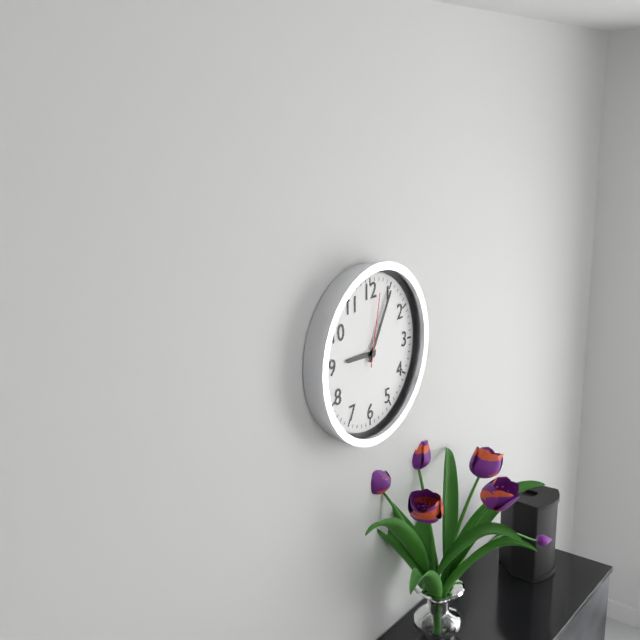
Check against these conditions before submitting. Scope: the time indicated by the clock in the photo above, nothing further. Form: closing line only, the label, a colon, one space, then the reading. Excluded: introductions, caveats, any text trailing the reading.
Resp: 9:05:02
